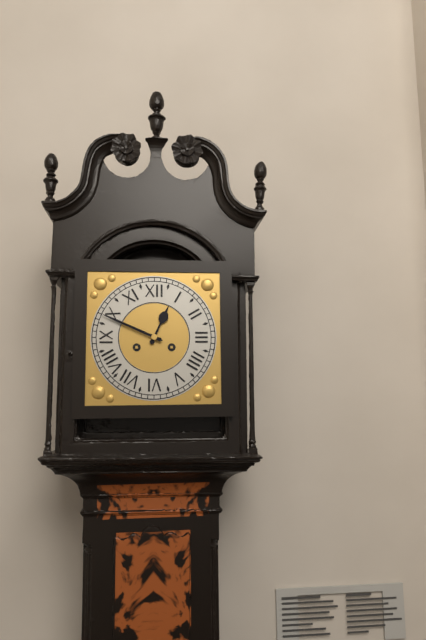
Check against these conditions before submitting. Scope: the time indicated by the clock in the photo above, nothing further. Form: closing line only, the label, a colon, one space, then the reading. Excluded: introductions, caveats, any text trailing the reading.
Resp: 12:49
